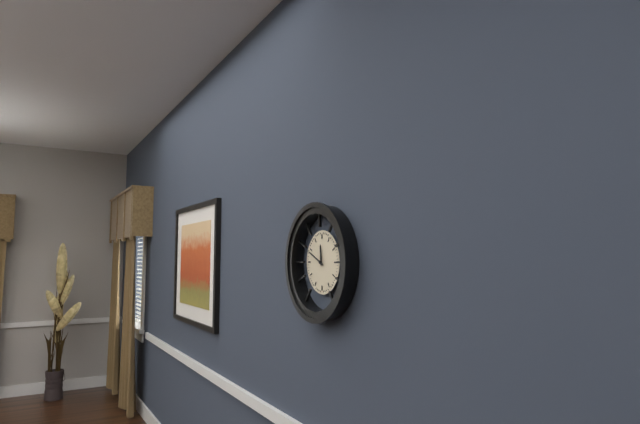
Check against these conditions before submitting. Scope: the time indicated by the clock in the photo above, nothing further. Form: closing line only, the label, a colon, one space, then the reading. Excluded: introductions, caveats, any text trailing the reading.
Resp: 11:49
